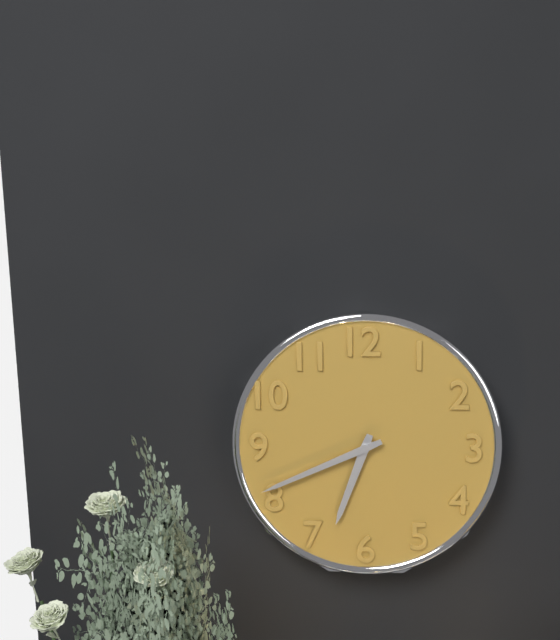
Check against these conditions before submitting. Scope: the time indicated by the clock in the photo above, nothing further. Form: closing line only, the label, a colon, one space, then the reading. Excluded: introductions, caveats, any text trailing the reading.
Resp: 6:41
